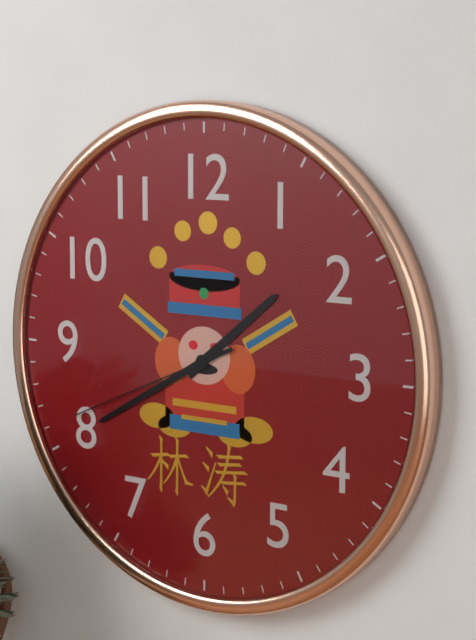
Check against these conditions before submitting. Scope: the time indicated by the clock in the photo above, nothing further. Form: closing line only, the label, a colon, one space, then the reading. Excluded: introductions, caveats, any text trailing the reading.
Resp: 1:40:41
